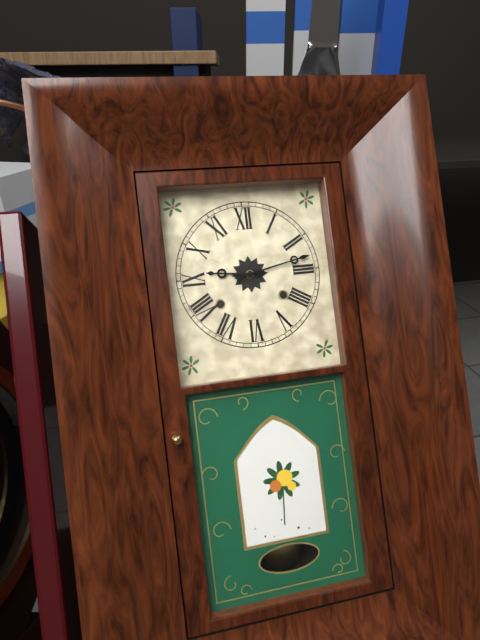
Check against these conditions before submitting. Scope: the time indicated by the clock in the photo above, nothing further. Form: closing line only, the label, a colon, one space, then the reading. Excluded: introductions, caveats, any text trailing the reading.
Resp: 9:13
